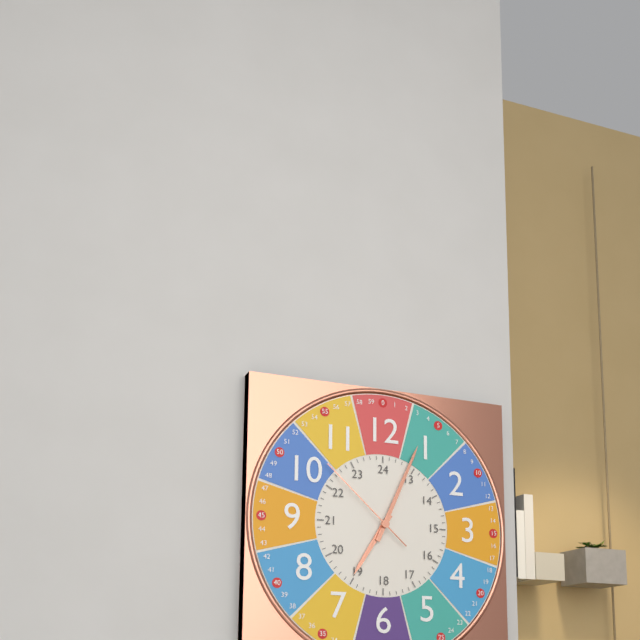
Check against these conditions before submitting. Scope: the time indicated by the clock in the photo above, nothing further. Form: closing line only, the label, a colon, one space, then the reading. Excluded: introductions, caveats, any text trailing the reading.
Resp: 7:04:52
